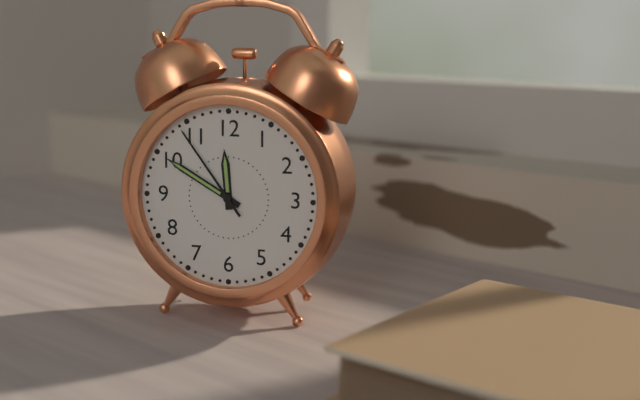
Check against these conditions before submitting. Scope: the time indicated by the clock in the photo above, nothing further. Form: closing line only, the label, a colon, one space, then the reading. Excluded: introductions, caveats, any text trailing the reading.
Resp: 11:50:54
